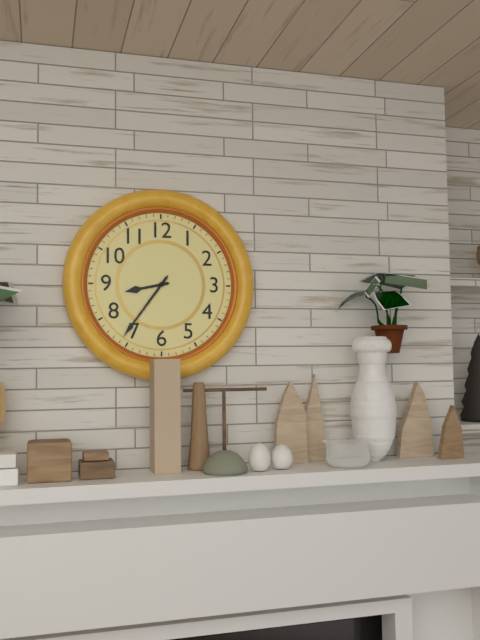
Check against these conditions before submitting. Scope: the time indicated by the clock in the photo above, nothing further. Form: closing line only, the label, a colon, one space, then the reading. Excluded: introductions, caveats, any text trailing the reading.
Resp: 8:36
